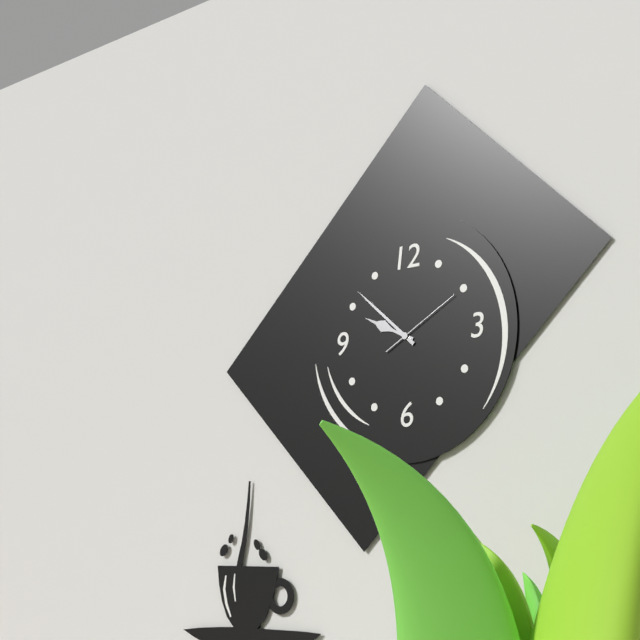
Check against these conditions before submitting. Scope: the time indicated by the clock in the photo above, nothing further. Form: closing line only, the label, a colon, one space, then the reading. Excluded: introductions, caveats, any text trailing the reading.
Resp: 9:52:10
